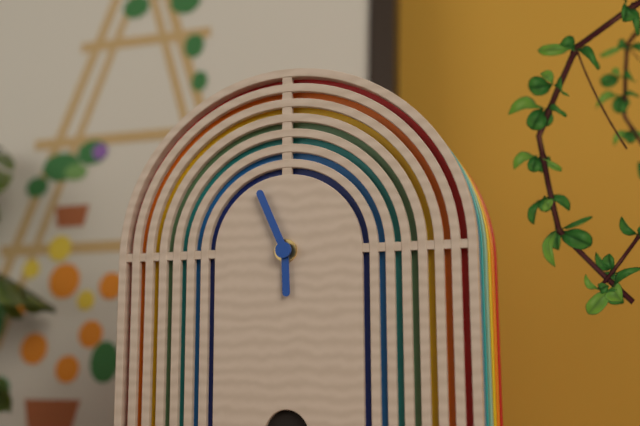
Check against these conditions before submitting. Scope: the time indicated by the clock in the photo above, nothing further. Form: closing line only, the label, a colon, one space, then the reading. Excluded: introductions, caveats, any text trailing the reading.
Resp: 5:56
